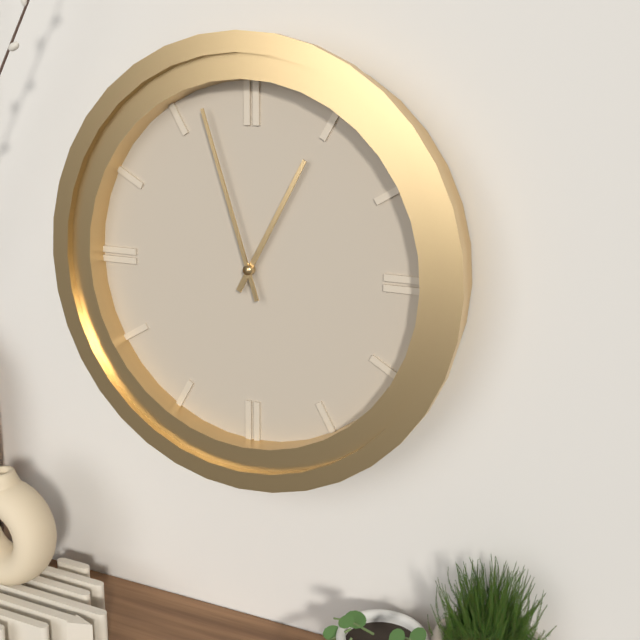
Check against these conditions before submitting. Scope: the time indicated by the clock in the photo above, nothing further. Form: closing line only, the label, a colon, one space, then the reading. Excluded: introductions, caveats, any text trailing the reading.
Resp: 12:57
